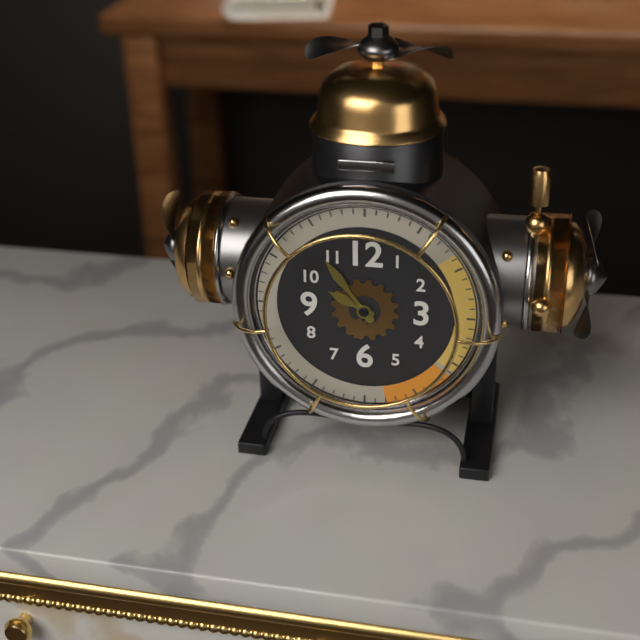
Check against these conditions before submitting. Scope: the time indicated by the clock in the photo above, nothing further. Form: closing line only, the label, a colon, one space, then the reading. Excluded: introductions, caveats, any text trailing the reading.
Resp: 9:54
